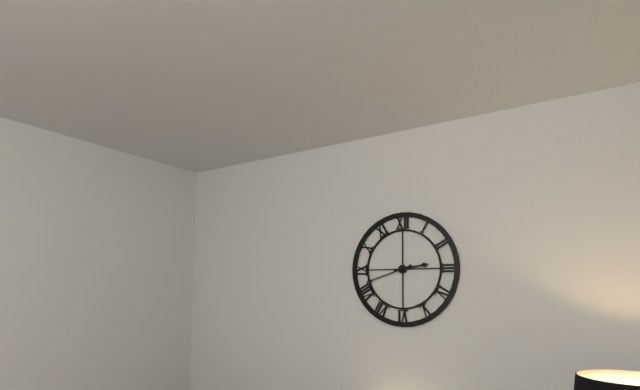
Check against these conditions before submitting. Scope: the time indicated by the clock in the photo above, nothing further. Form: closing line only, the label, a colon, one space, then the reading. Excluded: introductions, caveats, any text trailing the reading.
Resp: 2:42
